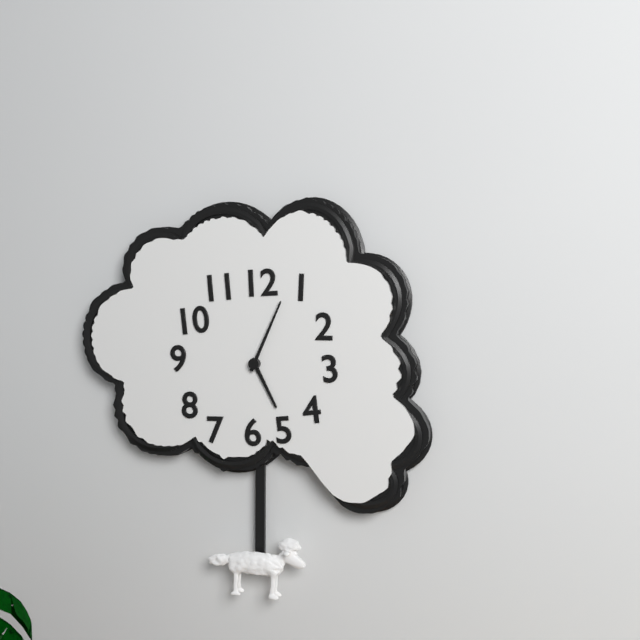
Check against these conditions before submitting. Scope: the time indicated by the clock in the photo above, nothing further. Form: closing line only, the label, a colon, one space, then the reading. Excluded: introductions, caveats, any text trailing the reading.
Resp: 5:04
